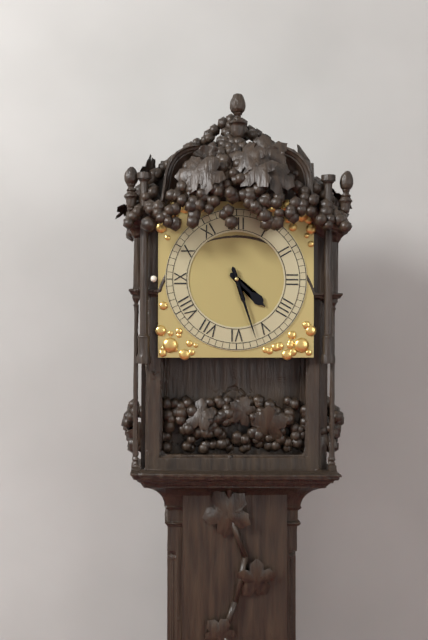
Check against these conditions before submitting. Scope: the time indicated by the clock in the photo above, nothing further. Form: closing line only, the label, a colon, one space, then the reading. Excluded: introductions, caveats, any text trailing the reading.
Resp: 4:27
